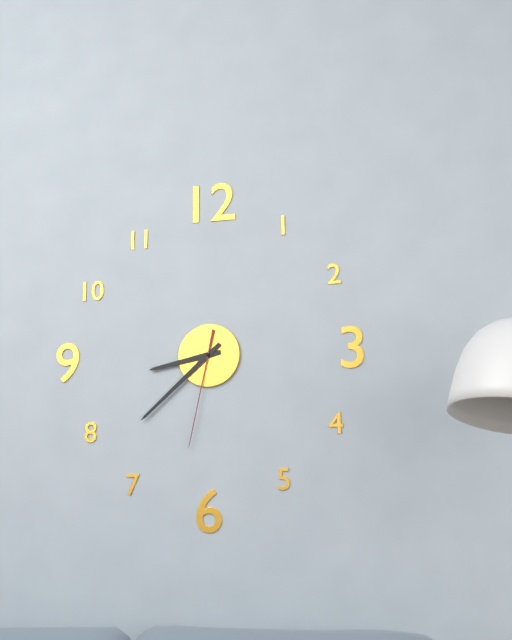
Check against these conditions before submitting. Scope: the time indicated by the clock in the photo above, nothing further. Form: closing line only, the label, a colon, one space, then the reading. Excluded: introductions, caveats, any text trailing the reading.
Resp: 8:38:32
